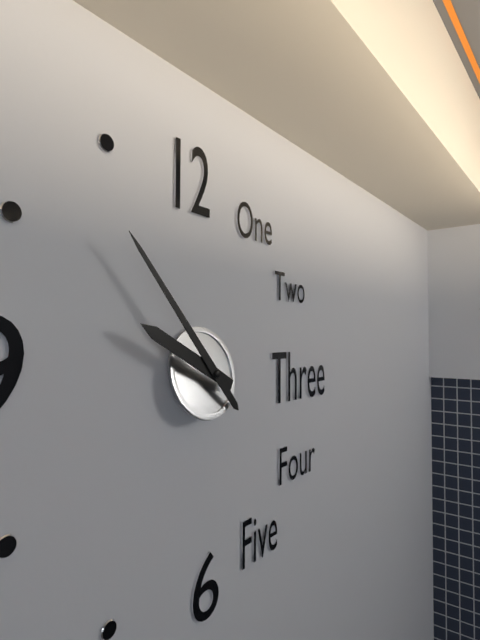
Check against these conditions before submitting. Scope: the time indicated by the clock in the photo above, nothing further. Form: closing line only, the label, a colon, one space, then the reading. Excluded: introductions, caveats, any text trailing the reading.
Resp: 9:53
